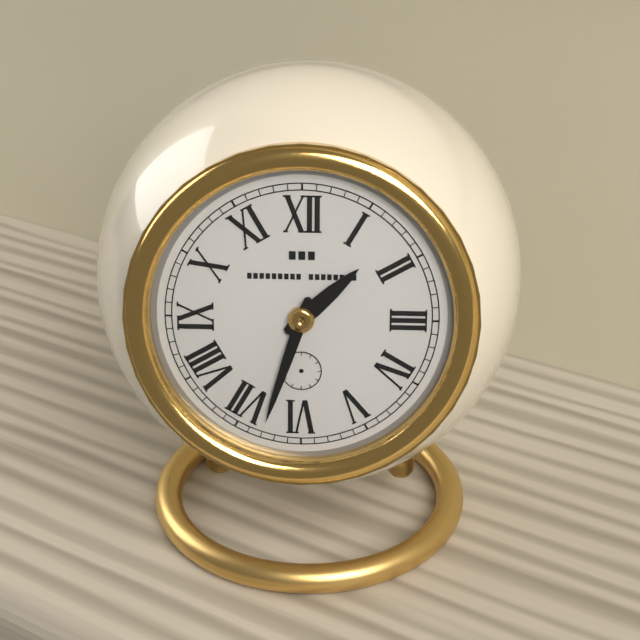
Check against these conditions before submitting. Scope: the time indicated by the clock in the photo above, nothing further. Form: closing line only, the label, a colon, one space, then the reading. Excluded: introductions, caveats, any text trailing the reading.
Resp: 1:33
